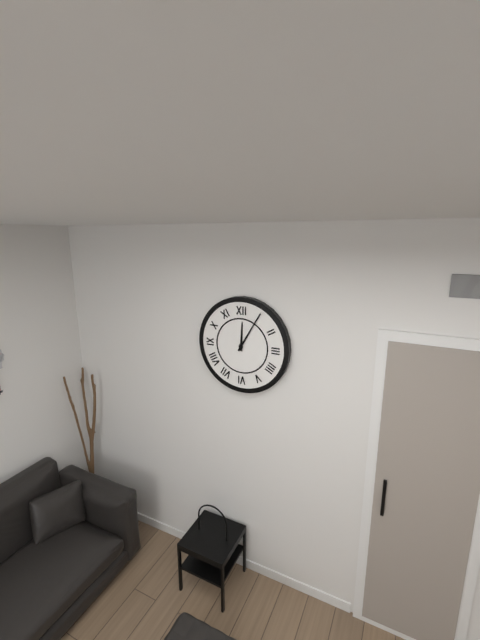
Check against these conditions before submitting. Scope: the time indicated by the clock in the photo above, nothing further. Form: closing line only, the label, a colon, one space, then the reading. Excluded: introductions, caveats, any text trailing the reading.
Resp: 12:05
